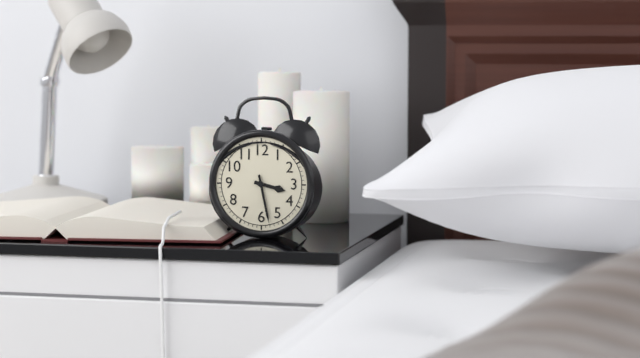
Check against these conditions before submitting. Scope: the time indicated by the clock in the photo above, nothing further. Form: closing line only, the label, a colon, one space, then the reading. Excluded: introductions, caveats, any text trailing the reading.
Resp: 3:28
